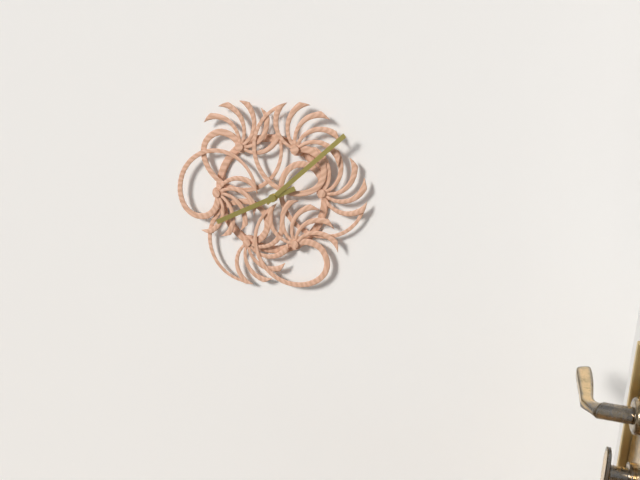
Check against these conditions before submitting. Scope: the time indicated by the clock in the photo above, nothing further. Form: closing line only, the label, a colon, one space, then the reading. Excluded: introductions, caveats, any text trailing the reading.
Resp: 8:08
